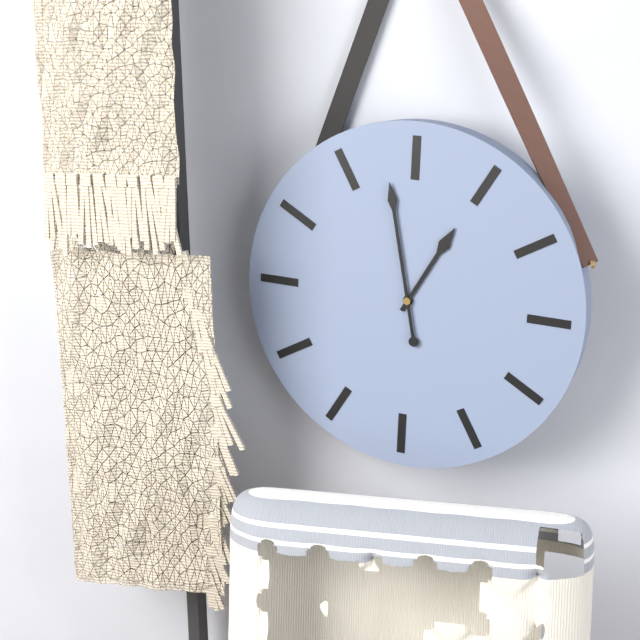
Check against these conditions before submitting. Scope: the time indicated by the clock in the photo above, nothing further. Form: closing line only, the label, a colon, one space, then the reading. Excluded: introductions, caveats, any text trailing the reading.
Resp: 12:58
